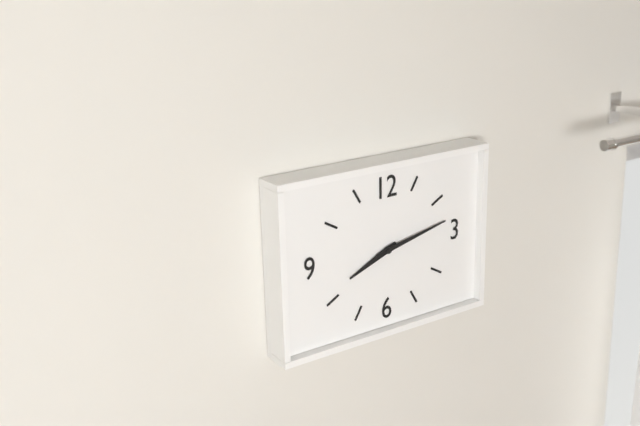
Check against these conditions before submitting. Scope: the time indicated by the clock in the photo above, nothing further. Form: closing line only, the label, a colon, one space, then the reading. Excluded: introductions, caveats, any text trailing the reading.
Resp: 8:13
